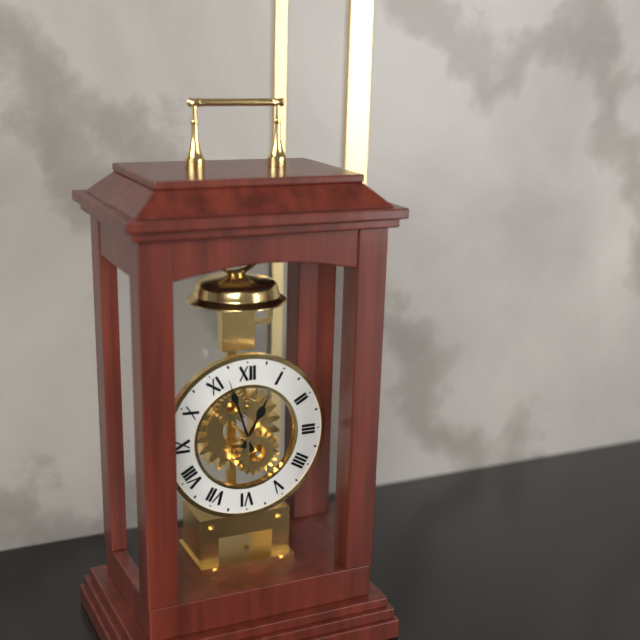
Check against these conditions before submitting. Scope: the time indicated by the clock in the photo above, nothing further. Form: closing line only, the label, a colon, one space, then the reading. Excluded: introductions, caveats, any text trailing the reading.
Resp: 12:57
